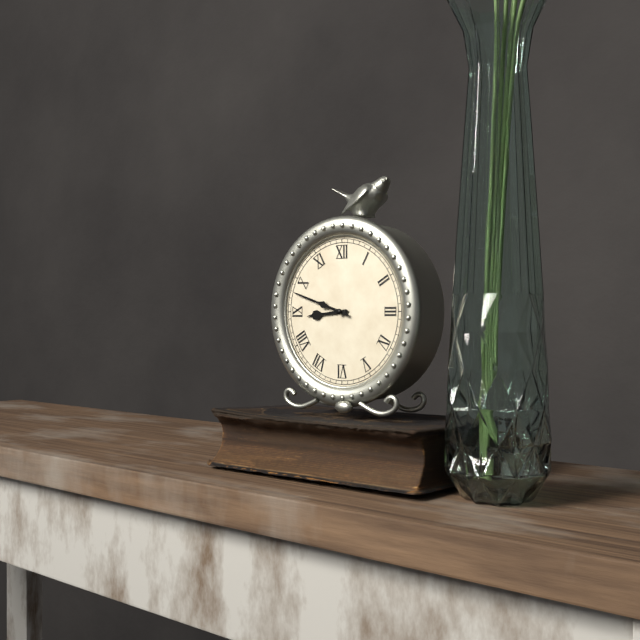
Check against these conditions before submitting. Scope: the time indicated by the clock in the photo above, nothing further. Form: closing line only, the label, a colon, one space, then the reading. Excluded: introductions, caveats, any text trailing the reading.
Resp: 8:48
